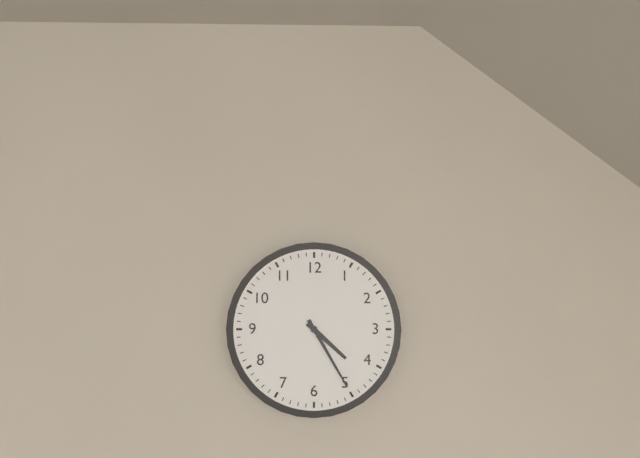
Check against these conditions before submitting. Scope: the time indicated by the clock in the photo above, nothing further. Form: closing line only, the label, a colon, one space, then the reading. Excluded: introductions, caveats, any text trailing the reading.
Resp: 4:25
